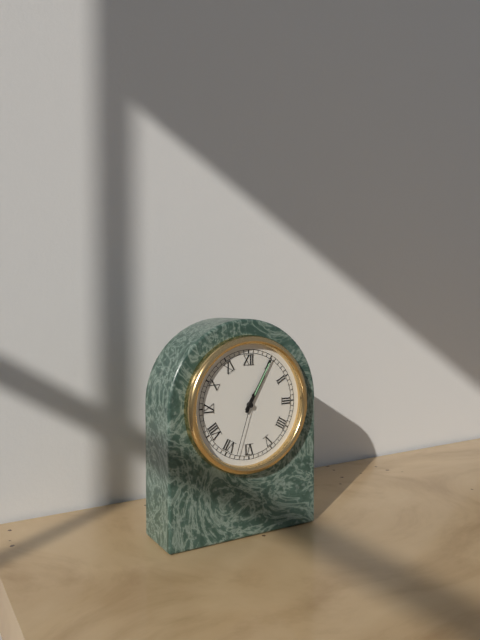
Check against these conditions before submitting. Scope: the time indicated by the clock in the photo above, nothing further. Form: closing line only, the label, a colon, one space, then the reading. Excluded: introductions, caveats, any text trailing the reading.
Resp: 1:05:33
